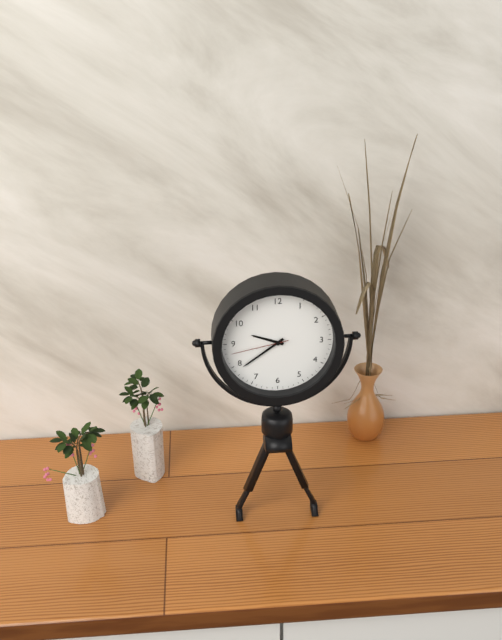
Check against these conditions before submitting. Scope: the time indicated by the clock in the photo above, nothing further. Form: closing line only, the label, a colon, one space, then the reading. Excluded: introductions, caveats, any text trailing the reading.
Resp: 9:39:43
